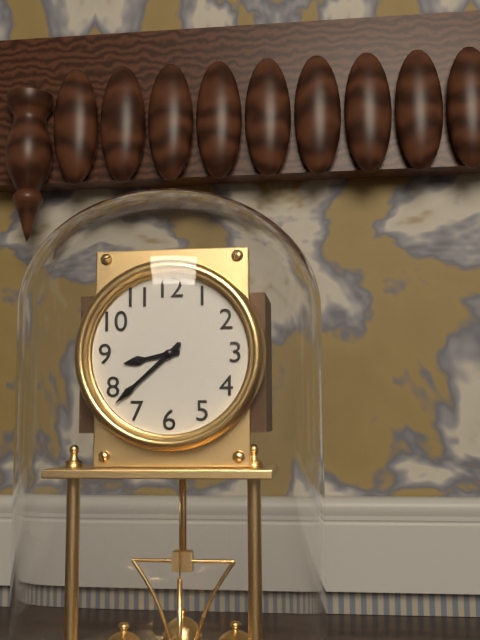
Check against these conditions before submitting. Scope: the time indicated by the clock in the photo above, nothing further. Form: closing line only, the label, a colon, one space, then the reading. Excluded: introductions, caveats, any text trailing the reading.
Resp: 8:38
